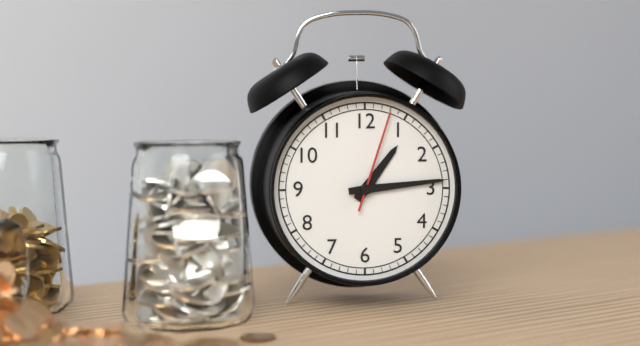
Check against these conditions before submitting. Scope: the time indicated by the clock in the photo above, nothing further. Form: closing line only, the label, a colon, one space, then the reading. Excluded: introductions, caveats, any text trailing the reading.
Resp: 1:14:03
